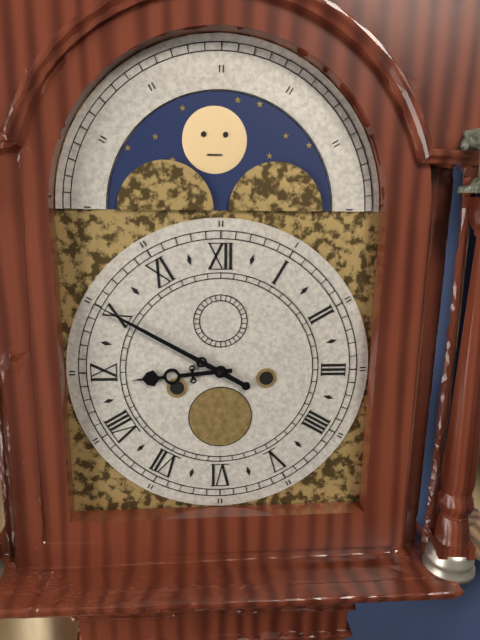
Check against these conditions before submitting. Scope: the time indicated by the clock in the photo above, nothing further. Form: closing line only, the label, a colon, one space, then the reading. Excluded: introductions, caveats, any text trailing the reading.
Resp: 8:50
